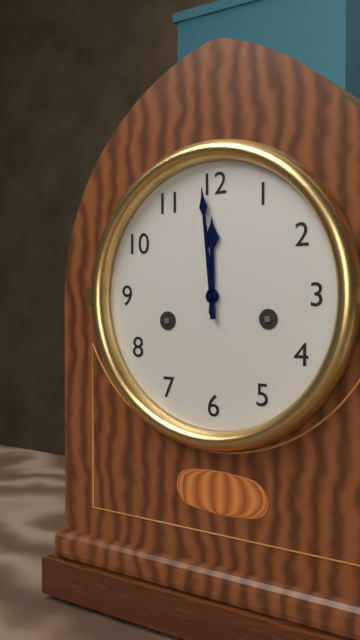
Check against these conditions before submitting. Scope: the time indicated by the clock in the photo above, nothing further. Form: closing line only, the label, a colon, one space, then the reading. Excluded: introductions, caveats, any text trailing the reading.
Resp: 11:59
